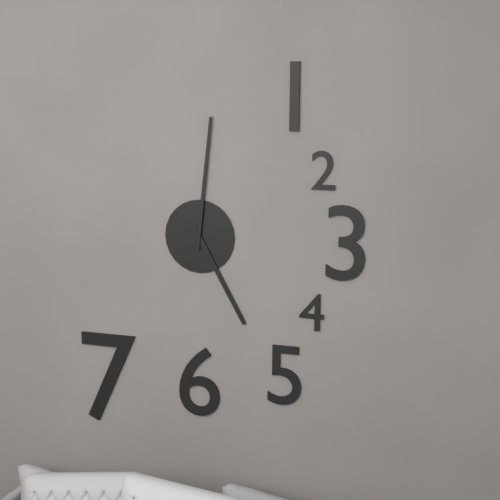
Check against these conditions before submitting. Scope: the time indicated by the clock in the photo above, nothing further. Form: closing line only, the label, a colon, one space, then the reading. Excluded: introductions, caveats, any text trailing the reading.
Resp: 5:01
